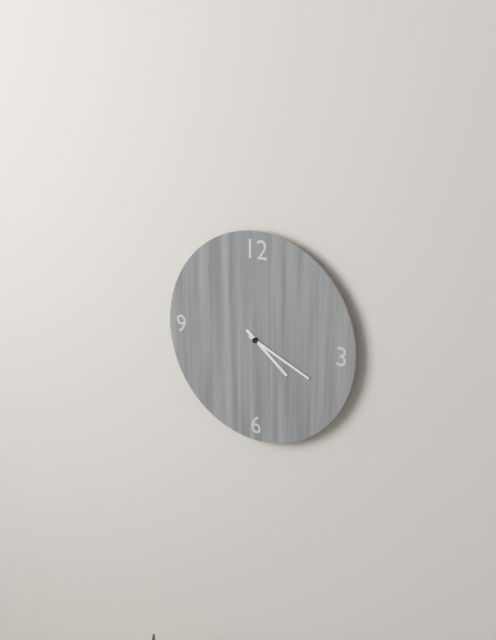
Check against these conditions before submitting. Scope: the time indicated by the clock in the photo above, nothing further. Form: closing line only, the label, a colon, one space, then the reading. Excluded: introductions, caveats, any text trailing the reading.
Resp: 4:19
